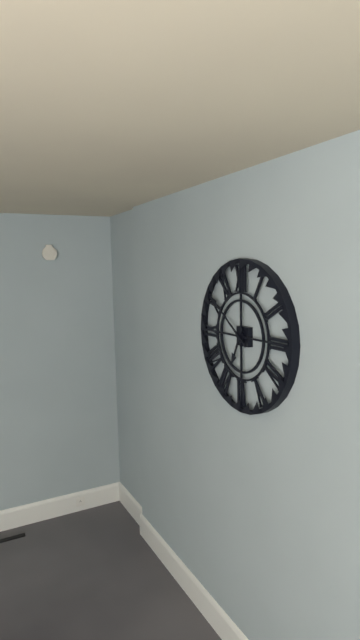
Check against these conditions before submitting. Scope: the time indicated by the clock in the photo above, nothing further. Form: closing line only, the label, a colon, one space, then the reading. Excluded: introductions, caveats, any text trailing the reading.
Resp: 6:51
